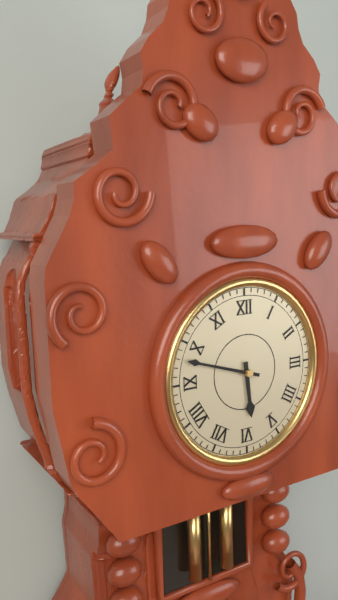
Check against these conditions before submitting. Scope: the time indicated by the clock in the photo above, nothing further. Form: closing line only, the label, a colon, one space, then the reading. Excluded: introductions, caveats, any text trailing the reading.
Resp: 5:48
